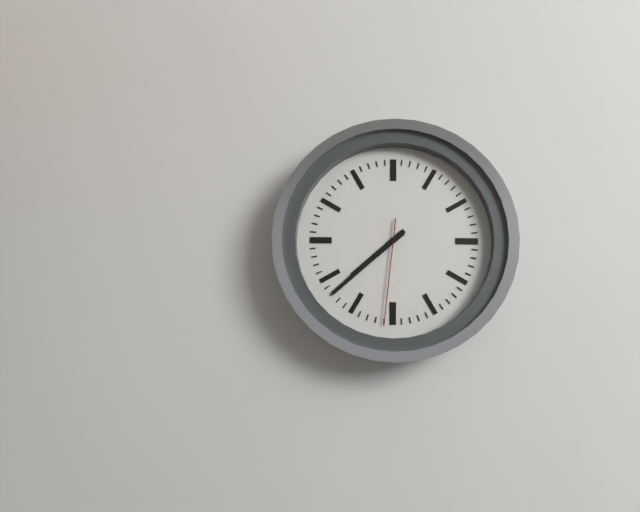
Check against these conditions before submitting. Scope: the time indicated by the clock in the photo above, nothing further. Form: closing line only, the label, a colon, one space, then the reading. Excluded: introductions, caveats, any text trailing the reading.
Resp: 7:38:31
